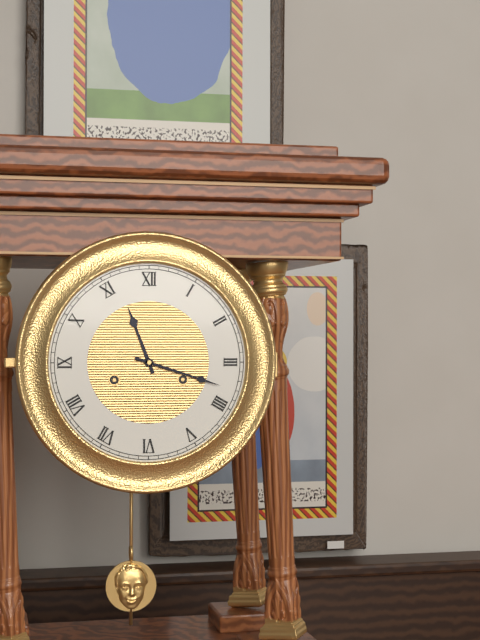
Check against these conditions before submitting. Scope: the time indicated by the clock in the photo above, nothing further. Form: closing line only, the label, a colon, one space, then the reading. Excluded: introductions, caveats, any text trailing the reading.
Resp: 11:18
